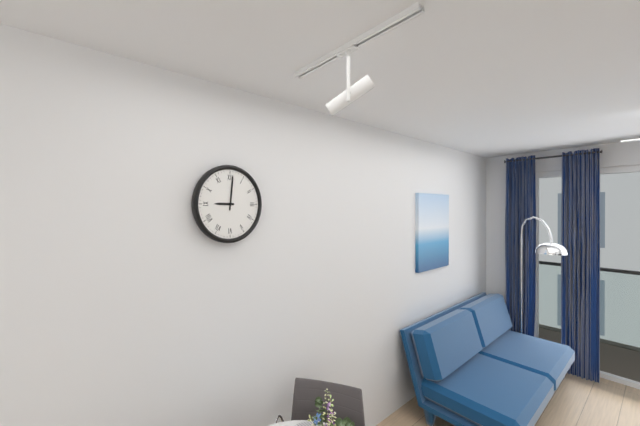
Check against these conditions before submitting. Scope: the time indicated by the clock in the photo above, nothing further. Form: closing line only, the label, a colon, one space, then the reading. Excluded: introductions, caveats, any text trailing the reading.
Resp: 9:01
